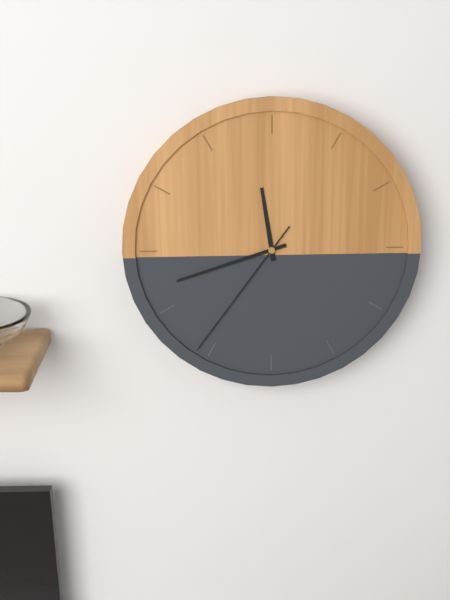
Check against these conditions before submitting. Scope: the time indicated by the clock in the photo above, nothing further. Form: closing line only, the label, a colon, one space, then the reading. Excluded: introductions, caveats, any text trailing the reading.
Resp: 11:42:36
